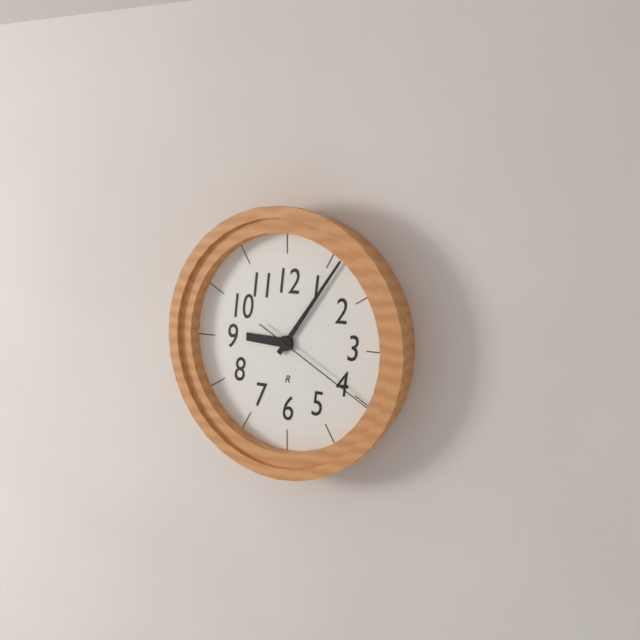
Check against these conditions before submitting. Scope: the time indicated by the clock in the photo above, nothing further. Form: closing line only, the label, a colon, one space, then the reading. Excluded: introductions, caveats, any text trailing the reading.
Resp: 9:06:20
